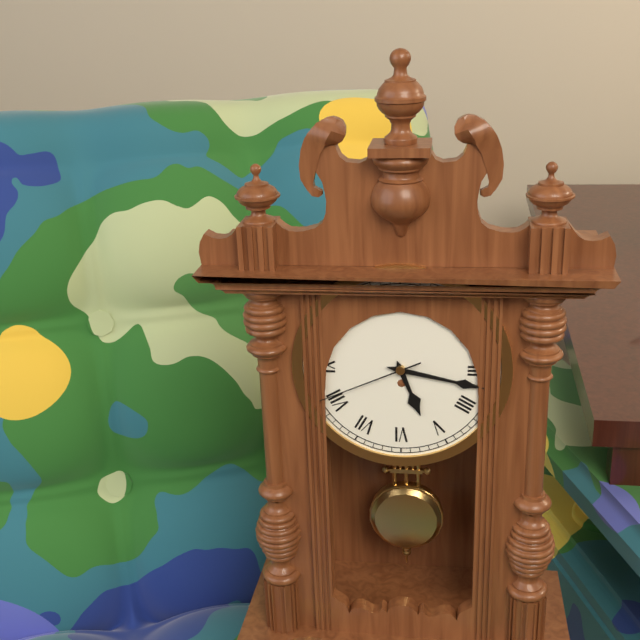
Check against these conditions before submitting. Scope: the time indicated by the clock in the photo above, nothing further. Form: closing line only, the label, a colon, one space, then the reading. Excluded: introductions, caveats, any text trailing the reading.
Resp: 5:17:41
